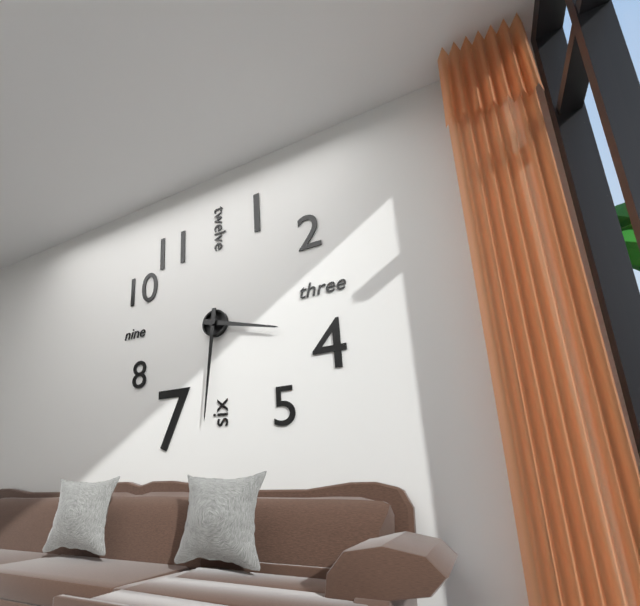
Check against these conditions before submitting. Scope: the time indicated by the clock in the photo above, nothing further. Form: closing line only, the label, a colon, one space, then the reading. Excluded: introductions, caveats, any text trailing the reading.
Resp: 3:31
